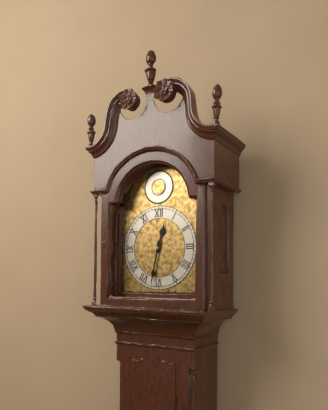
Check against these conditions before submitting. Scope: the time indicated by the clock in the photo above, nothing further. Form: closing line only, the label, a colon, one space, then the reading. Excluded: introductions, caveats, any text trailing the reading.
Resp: 12:32
